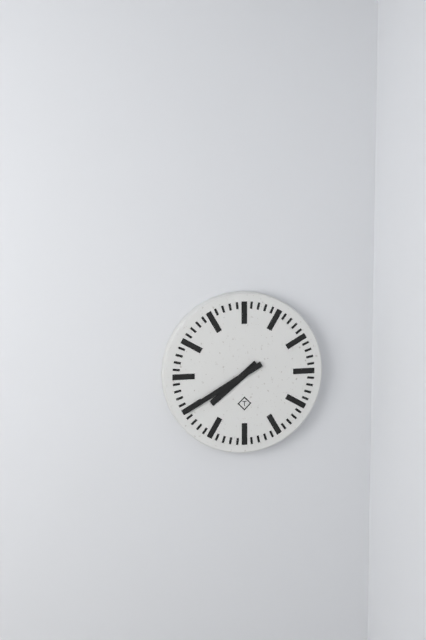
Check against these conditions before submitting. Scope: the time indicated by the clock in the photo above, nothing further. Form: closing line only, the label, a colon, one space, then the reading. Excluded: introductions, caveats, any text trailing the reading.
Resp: 7:40
